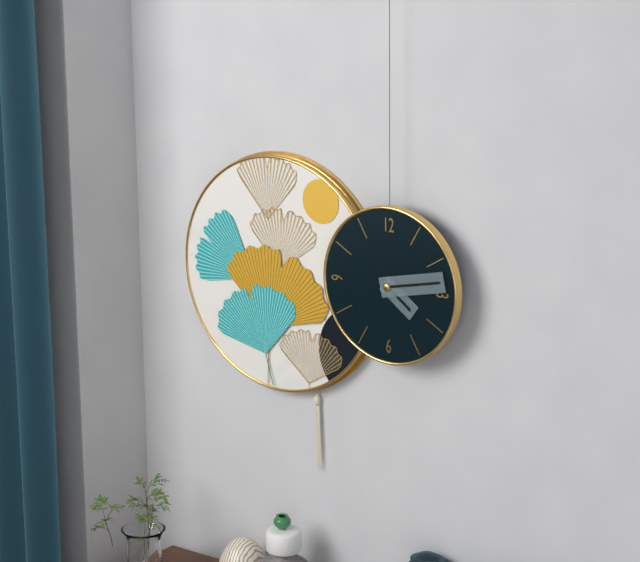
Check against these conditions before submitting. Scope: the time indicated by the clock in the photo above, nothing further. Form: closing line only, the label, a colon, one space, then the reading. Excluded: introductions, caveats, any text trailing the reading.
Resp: 4:13
